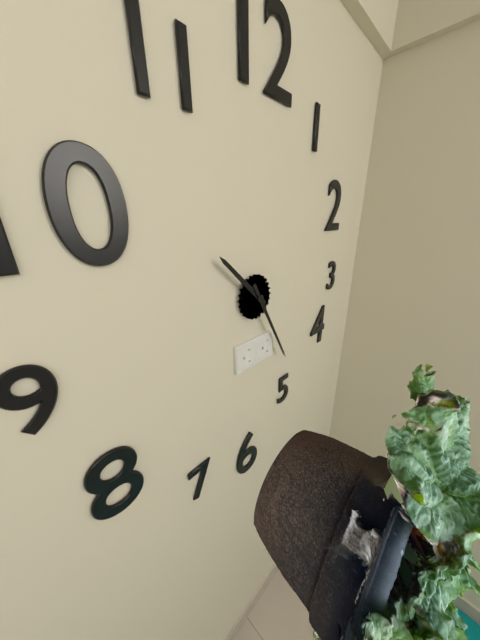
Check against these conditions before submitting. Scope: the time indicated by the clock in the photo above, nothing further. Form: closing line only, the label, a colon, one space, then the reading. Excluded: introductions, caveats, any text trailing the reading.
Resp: 10:25
